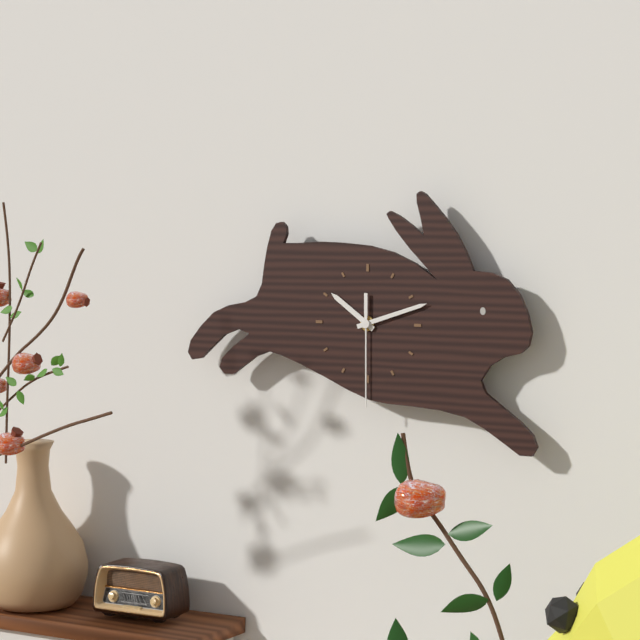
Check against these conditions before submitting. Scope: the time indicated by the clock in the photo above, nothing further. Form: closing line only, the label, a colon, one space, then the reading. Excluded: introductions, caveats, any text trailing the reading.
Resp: 10:12:30
